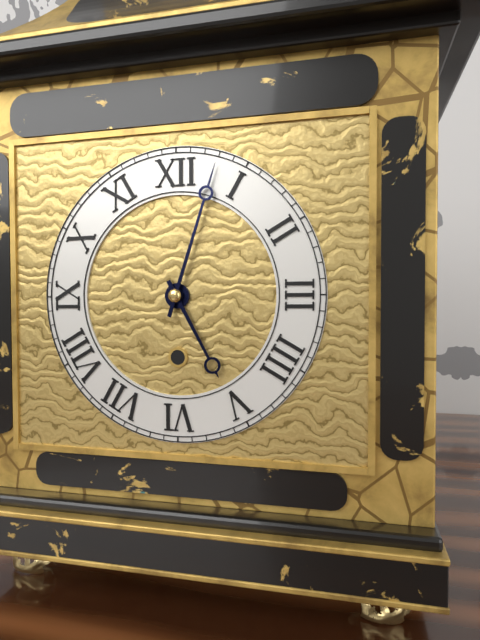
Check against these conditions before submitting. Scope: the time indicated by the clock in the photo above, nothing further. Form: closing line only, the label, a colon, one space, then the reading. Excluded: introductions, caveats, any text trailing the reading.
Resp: 5:03
